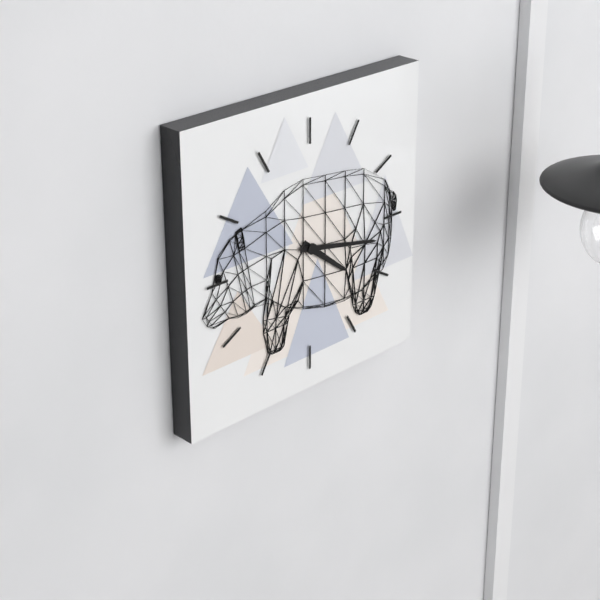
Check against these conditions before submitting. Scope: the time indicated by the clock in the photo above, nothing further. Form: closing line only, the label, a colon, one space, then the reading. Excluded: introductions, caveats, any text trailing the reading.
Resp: 4:17
